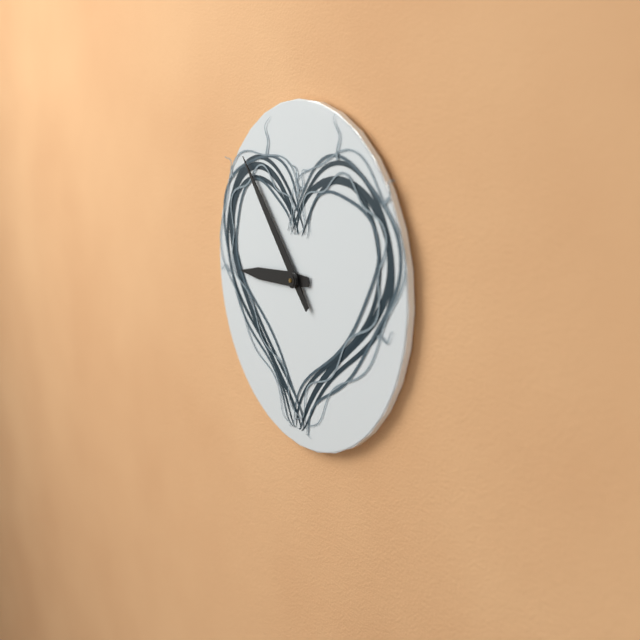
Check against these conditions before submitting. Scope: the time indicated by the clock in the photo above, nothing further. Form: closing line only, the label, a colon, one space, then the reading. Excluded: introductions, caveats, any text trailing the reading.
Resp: 8:53
